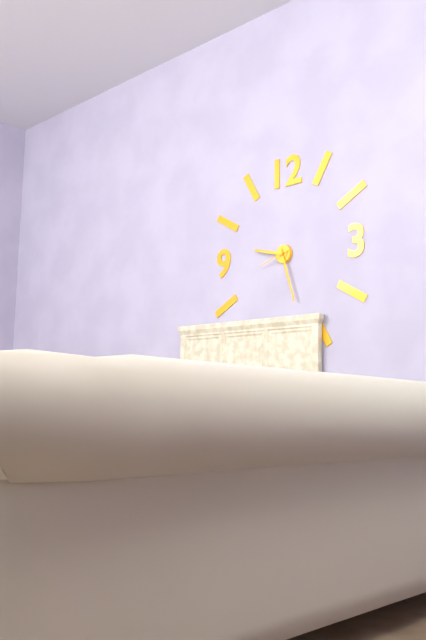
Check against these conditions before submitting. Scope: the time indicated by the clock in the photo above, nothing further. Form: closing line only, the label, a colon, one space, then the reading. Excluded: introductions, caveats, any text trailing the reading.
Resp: 9:27
